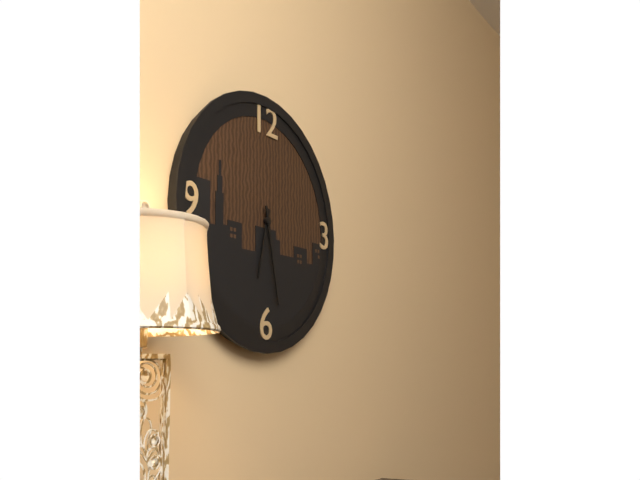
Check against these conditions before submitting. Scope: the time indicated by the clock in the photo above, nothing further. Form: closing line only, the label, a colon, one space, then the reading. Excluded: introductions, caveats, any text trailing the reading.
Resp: 6:28
